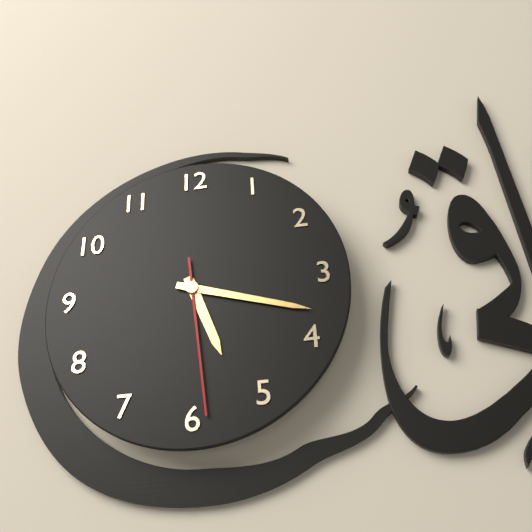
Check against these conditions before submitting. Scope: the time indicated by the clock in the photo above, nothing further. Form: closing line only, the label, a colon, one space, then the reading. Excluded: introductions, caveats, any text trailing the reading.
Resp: 5:18:29
